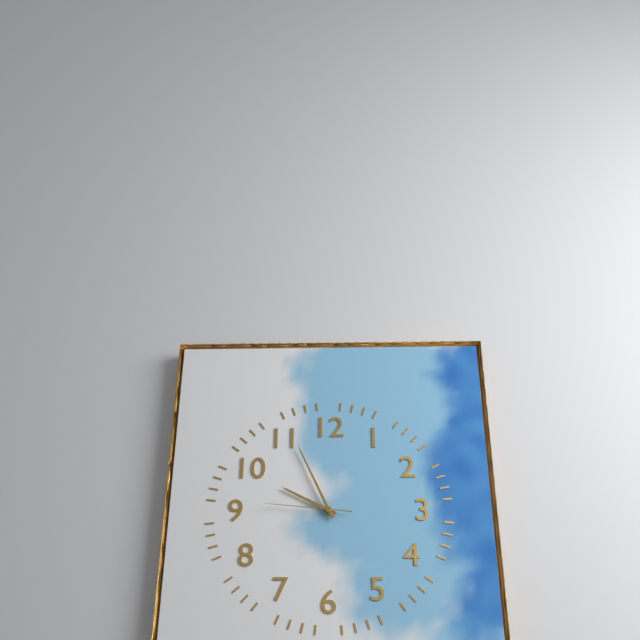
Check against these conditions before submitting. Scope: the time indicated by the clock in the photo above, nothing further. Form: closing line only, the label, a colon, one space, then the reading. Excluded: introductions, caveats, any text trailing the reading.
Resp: 9:56:46
